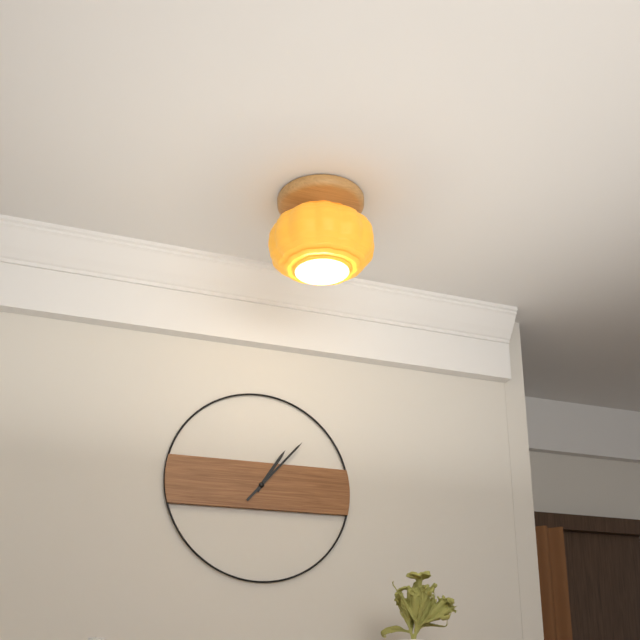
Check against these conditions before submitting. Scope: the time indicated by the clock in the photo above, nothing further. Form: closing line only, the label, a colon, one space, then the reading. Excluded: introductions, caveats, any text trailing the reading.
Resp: 1:07
